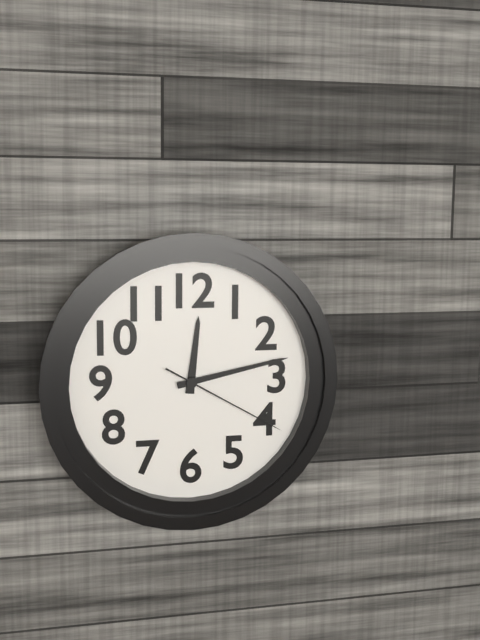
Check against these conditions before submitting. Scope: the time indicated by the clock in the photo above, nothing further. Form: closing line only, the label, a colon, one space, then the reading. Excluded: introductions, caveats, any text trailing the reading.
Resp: 12:13:20
